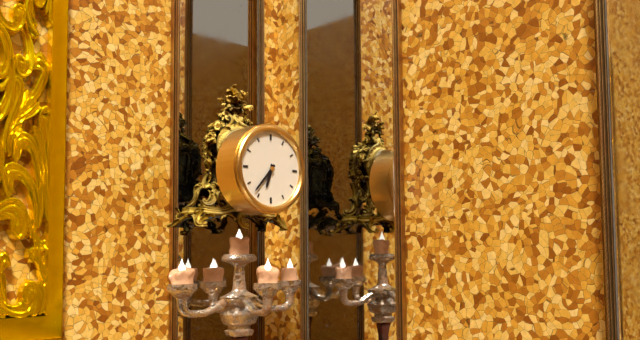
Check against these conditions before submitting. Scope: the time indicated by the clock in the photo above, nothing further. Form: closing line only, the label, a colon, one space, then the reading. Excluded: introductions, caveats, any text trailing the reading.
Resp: 6:37
